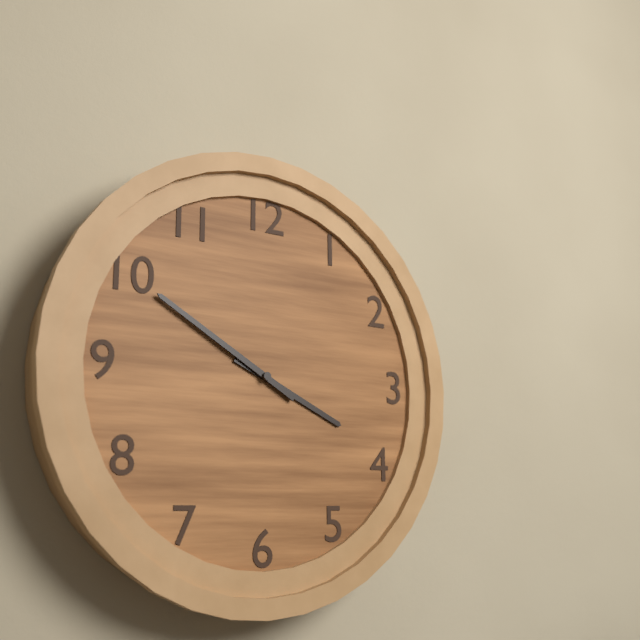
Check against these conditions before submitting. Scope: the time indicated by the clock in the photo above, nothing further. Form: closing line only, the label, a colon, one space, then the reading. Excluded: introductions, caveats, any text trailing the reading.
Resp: 3:50
